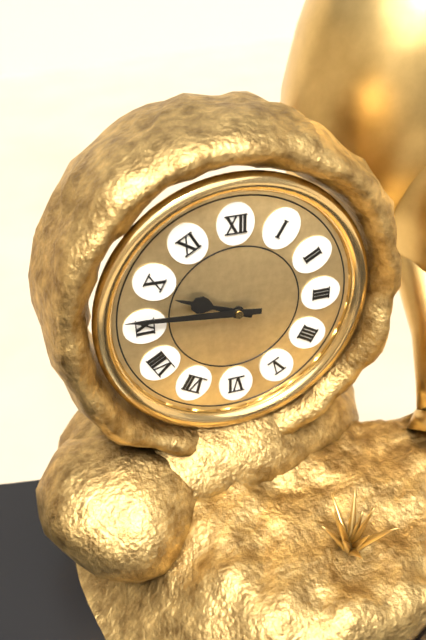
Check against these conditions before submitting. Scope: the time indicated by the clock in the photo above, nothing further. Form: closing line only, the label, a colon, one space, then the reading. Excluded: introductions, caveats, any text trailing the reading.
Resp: 9:46
